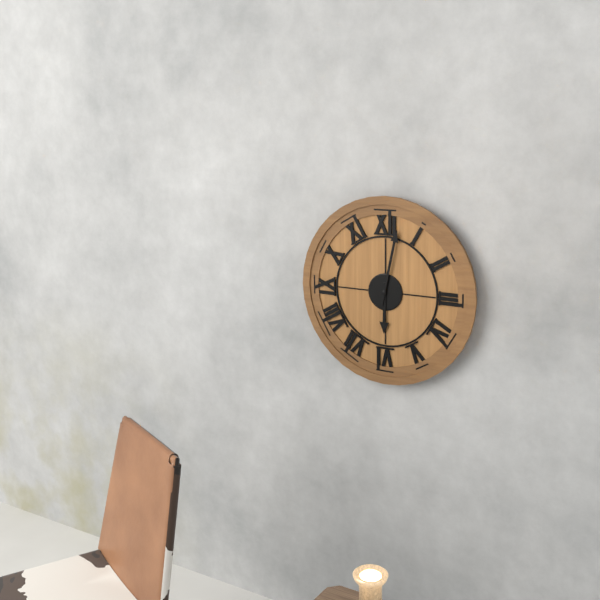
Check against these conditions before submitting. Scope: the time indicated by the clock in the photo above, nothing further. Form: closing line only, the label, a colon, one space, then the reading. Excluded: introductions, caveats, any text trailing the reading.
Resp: 6:02
